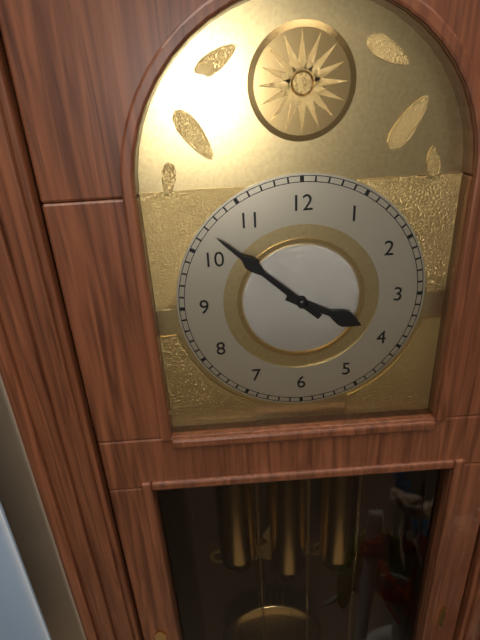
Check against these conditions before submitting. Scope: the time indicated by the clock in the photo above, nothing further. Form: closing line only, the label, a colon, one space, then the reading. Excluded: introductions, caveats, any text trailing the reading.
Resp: 3:52
